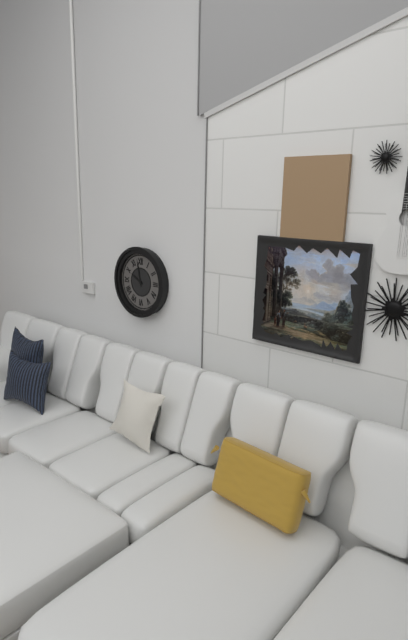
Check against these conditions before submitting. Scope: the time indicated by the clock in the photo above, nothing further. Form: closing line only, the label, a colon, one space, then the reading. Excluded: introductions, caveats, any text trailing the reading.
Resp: 9:58
